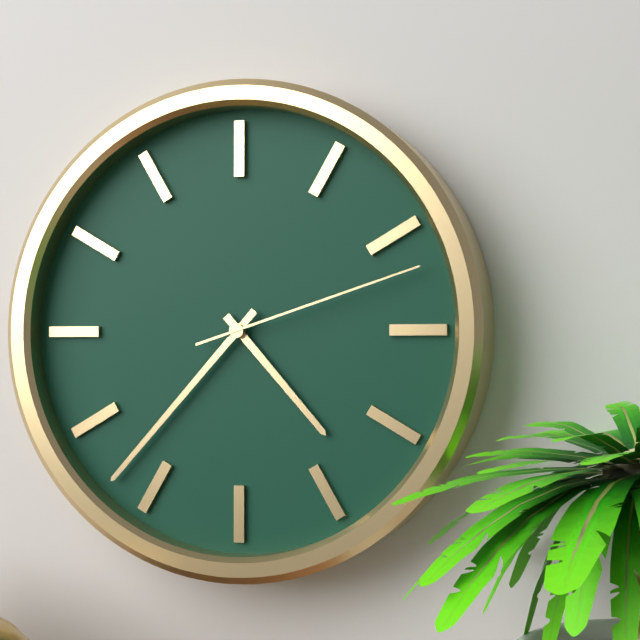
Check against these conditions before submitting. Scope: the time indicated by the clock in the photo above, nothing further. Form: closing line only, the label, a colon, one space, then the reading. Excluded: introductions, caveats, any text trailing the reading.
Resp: 4:37:12
